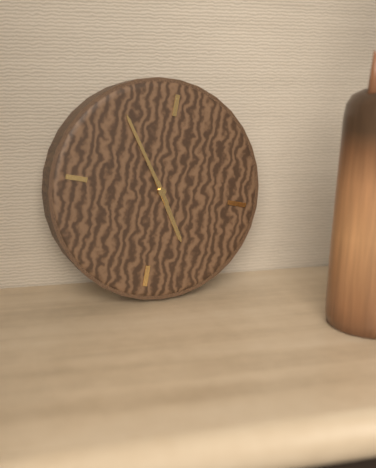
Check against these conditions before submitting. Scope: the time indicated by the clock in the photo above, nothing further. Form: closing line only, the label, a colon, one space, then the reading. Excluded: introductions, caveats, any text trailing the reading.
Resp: 4:54
